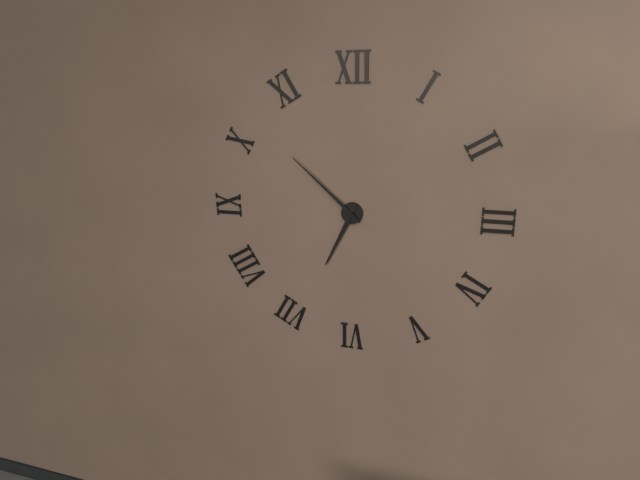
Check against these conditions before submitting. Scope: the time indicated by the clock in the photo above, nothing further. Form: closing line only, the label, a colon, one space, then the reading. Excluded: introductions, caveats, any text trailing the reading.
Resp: 6:52
